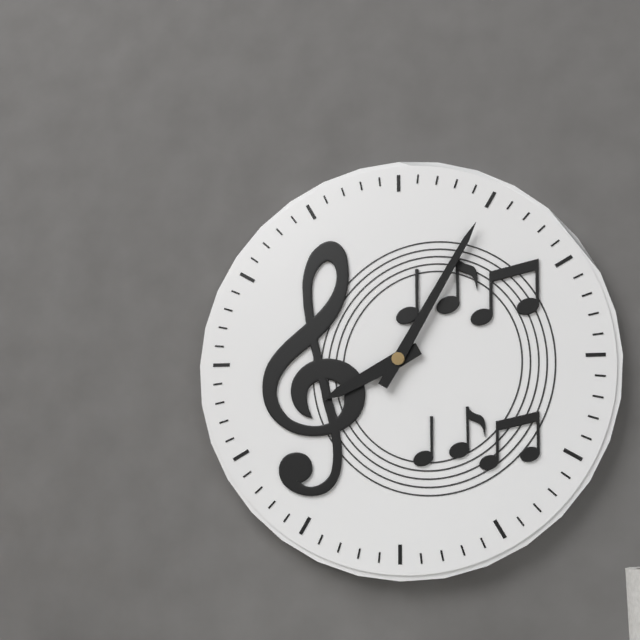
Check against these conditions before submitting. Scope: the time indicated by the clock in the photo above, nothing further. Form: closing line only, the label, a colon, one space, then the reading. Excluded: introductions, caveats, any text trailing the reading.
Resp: 8:05
